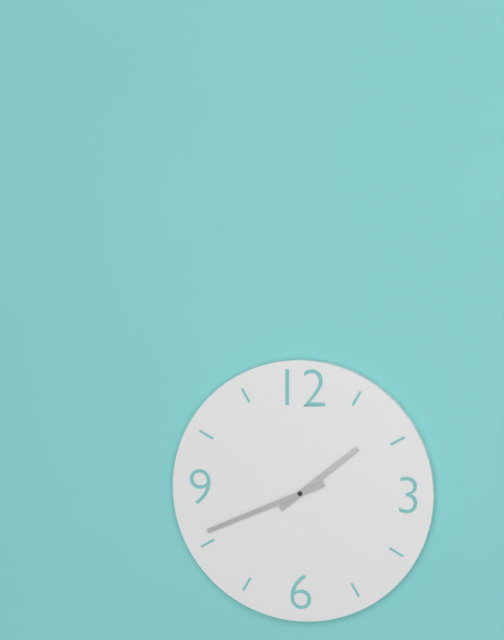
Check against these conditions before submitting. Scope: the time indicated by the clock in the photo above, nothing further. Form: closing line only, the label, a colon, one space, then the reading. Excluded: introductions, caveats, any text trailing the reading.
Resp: 1:41
